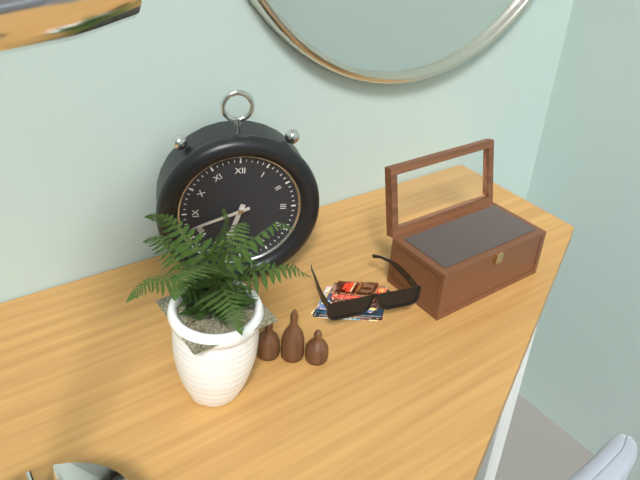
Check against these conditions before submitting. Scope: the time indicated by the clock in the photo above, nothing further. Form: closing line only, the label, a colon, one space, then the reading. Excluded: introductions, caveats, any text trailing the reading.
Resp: 6:42
